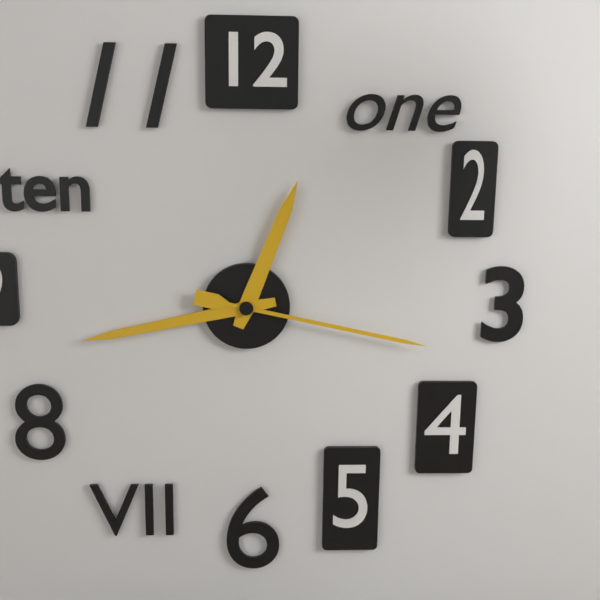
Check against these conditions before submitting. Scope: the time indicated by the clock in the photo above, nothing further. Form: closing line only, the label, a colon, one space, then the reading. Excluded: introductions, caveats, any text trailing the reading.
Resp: 12:43:17
